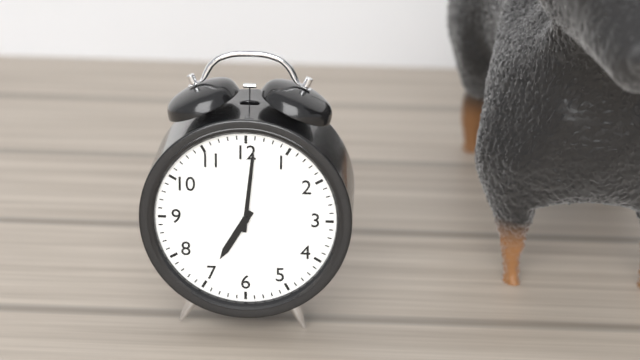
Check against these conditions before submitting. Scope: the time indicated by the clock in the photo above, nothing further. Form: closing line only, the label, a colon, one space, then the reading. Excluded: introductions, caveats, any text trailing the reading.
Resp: 7:01
